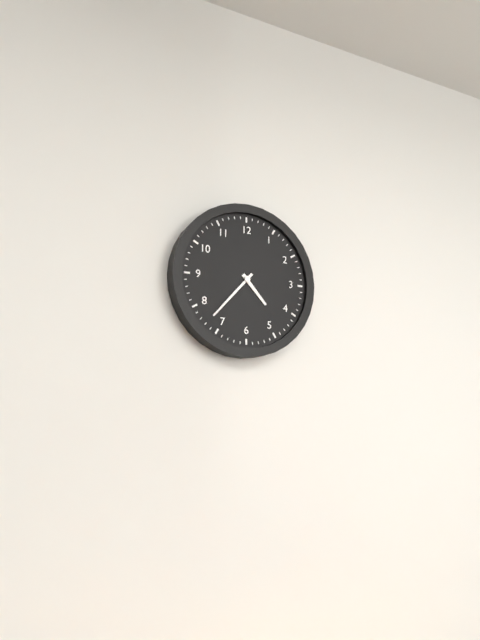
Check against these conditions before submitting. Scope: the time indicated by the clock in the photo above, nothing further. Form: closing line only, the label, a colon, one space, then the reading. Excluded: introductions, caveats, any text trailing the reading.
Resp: 4:37
